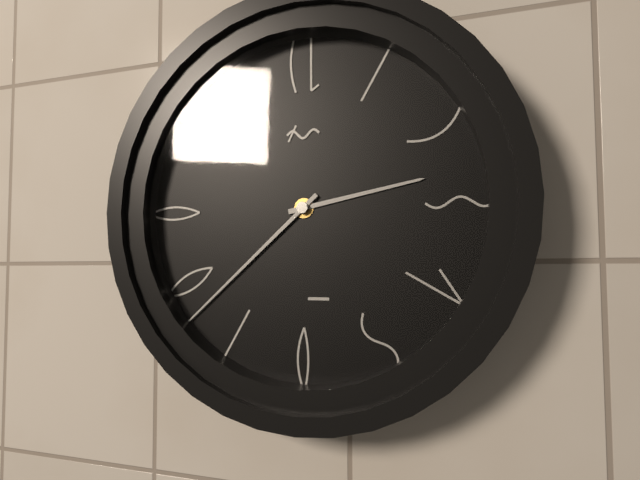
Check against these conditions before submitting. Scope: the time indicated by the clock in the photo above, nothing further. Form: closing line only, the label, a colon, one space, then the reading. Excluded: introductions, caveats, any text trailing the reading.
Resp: 2:38
